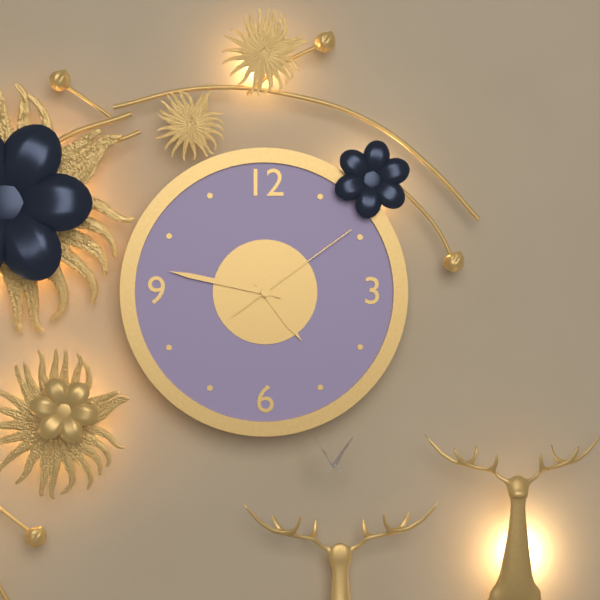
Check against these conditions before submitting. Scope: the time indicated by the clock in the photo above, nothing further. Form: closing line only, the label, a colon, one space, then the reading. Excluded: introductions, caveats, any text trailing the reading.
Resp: 4:47:09
